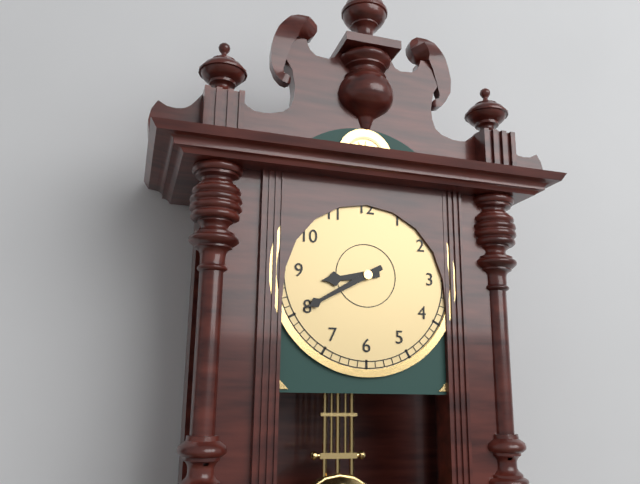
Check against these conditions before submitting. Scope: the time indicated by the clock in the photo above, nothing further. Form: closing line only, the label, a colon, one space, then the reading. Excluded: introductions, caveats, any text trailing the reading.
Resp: 8:40
